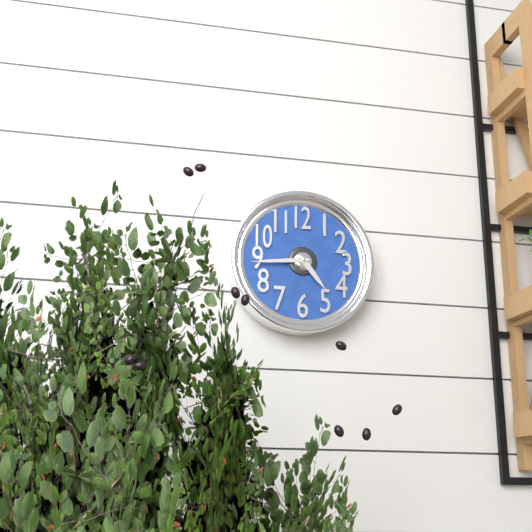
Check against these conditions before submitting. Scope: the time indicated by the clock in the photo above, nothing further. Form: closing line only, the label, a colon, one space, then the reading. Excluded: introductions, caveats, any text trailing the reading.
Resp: 4:44
